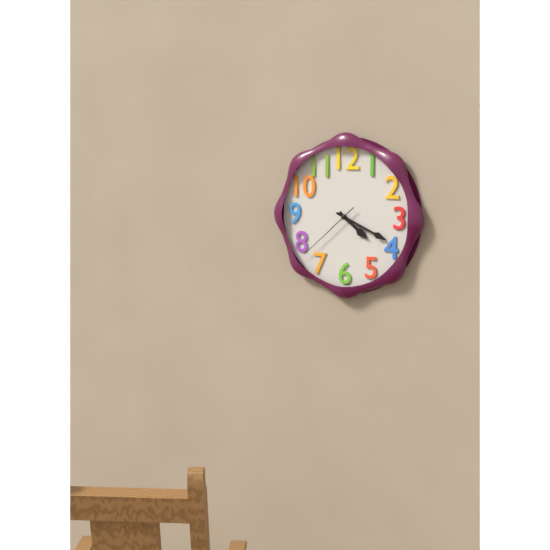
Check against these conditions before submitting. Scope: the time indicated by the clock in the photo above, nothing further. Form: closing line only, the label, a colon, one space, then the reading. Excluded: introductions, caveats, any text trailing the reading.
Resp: 4:19:38
